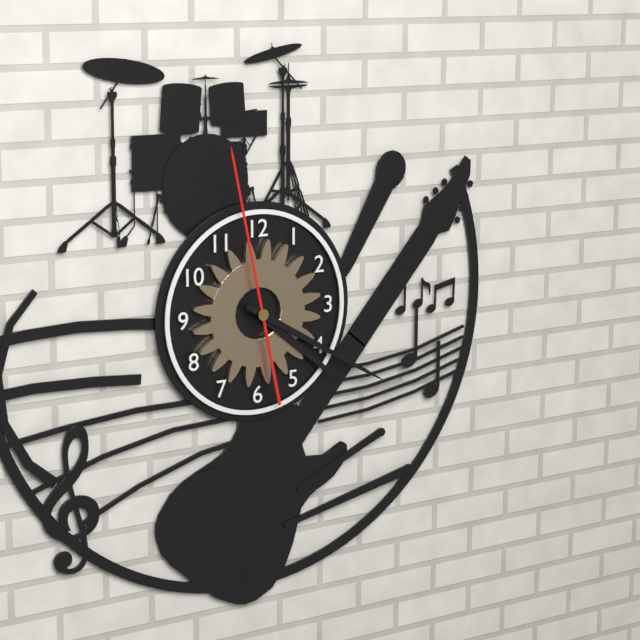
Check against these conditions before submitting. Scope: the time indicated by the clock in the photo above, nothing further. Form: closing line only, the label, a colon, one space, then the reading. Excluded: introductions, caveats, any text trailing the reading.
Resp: 4:20:58
